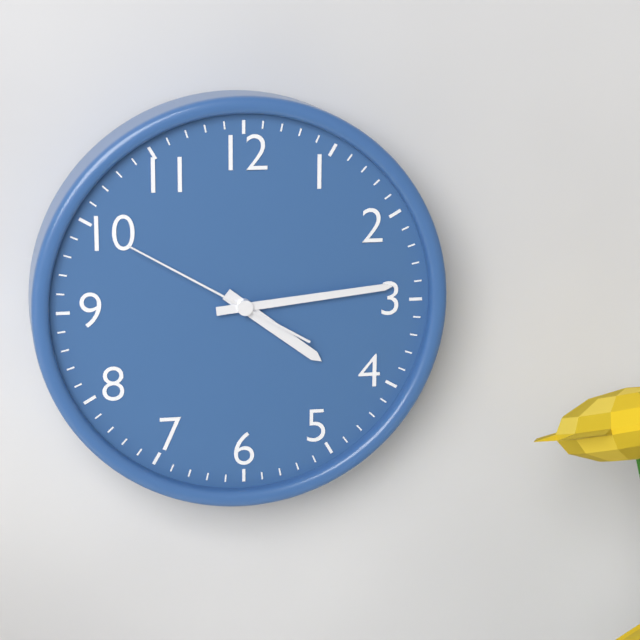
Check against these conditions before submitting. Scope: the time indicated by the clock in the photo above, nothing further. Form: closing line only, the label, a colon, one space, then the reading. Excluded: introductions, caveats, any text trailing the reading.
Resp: 4:14:50
